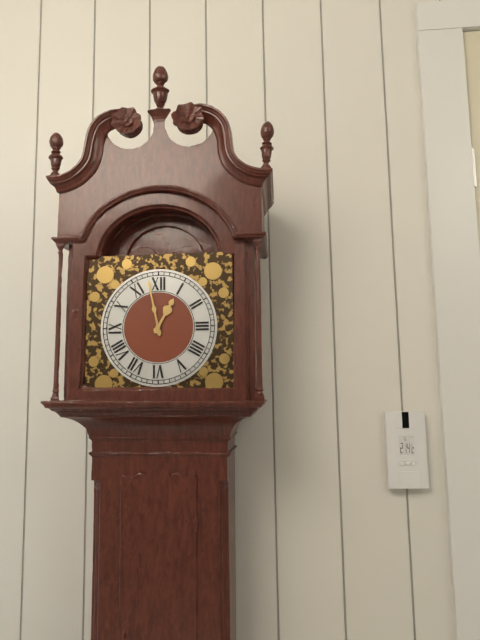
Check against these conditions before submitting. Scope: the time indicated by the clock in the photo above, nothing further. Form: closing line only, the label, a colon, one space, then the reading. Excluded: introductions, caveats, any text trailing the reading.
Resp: 12:58
